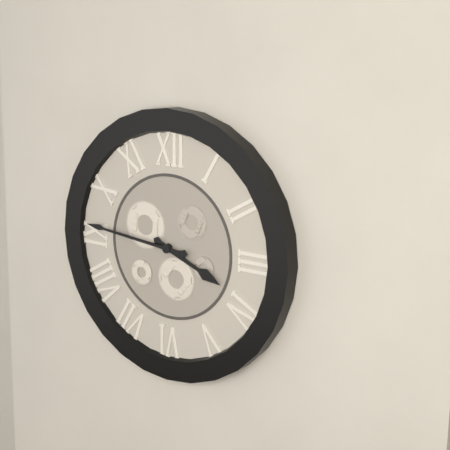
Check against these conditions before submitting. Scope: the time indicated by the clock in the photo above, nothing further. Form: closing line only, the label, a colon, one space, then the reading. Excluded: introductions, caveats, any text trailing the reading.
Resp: 3:46
